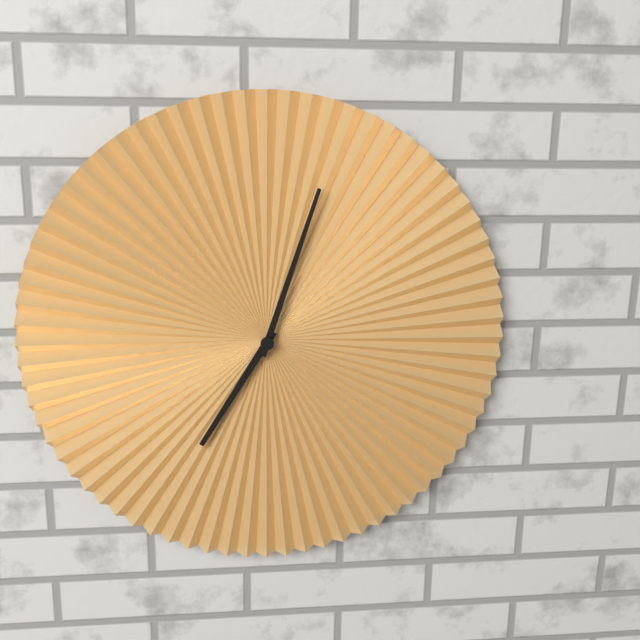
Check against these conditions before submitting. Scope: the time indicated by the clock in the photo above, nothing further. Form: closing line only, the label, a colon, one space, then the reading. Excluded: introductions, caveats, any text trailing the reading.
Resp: 7:03
